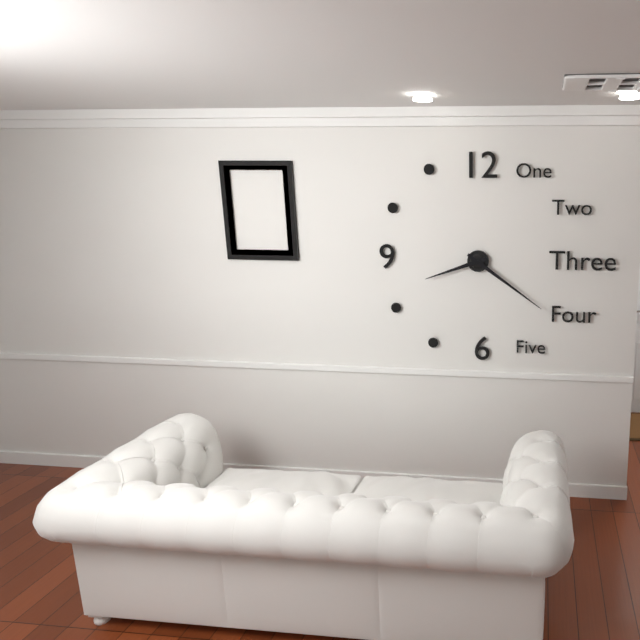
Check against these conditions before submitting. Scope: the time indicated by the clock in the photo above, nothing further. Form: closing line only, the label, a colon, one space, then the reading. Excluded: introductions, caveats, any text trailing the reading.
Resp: 8:21
